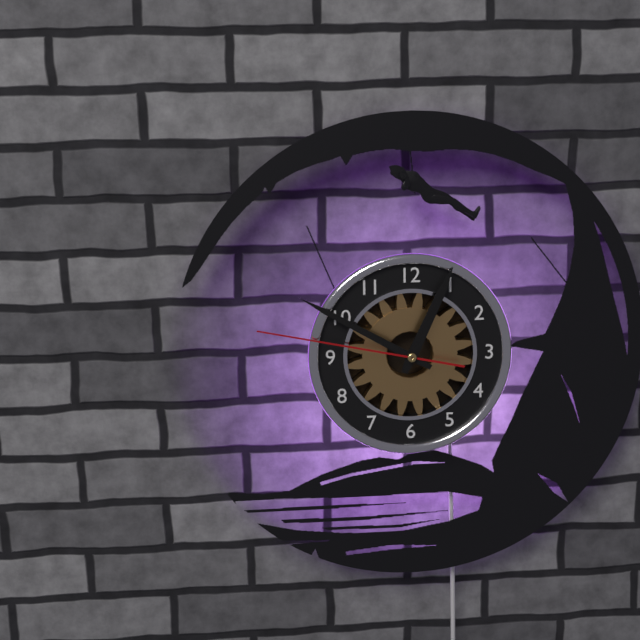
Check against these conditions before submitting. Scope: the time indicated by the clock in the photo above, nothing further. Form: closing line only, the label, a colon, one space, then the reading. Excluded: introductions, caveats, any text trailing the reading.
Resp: 12:50:47
